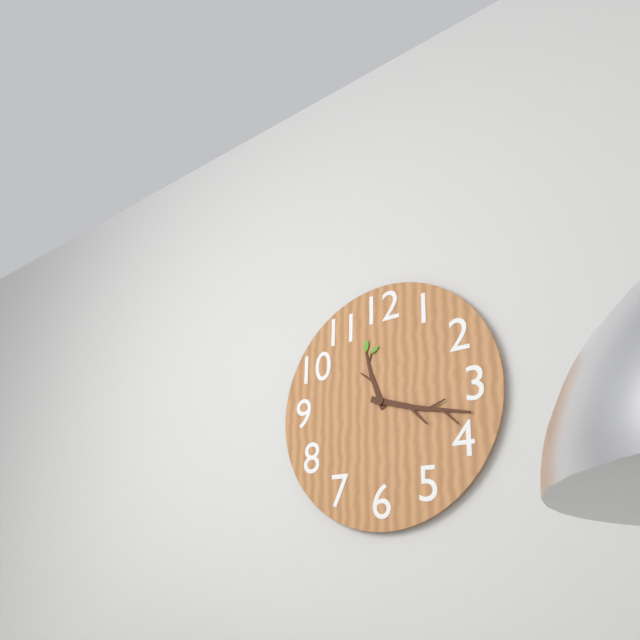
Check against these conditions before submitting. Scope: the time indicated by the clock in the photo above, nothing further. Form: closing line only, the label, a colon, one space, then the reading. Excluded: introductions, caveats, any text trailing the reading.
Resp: 11:18
